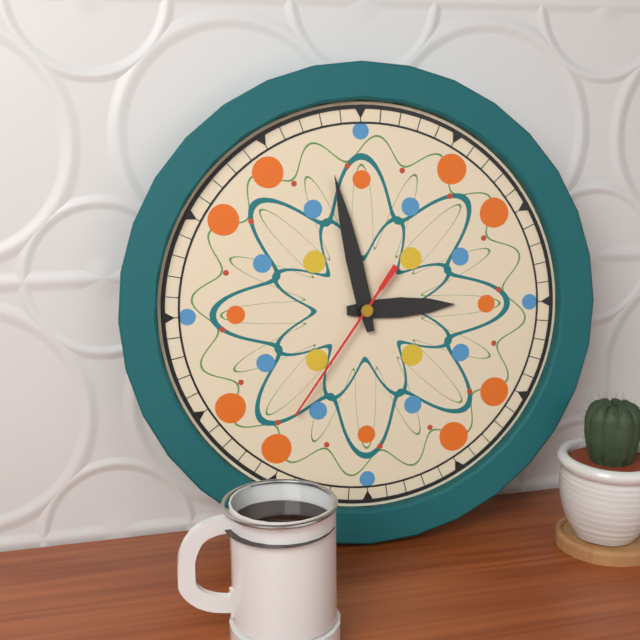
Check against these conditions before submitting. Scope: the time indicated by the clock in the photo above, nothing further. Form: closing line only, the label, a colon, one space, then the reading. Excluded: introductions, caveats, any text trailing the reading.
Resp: 2:58:36
